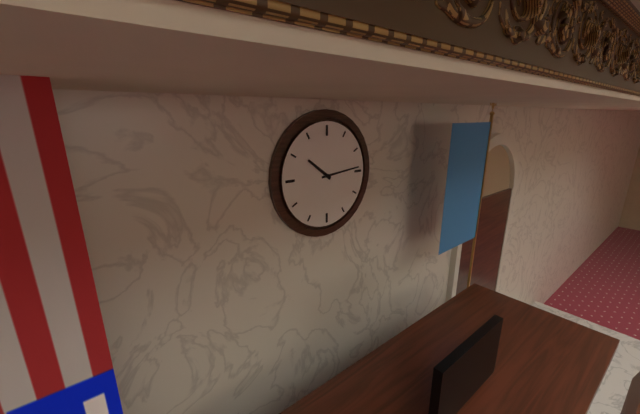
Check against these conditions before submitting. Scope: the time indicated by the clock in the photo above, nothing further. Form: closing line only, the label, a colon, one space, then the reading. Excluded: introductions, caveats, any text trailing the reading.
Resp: 10:14
